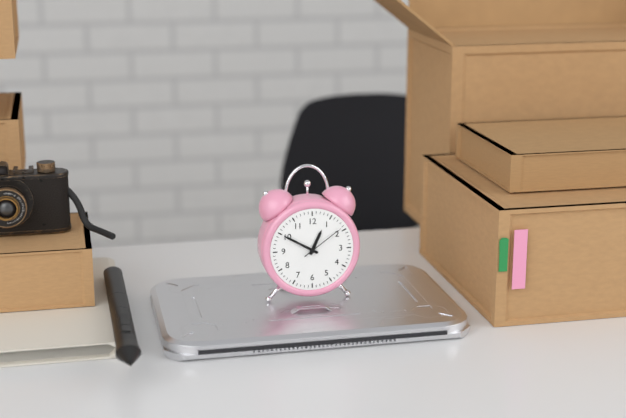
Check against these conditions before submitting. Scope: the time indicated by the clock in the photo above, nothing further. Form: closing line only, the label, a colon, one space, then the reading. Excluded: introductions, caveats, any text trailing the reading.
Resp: 12:50
